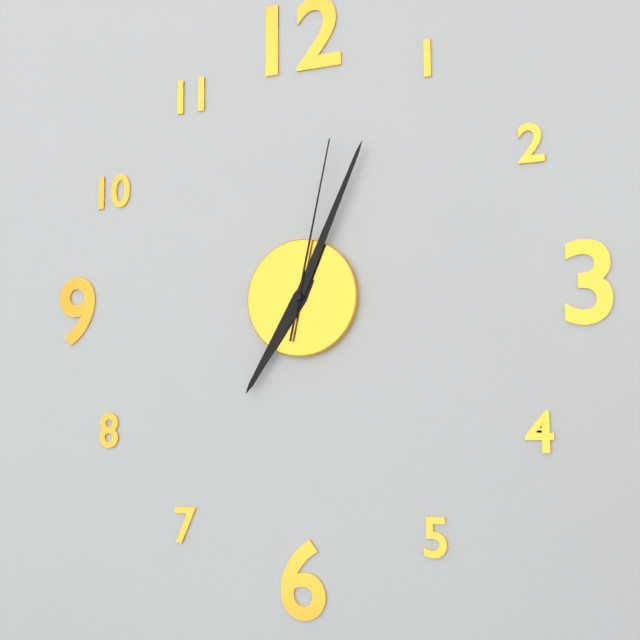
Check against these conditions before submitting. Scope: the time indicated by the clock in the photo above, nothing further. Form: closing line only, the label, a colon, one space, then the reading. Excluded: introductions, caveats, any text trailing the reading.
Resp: 7:04:02
